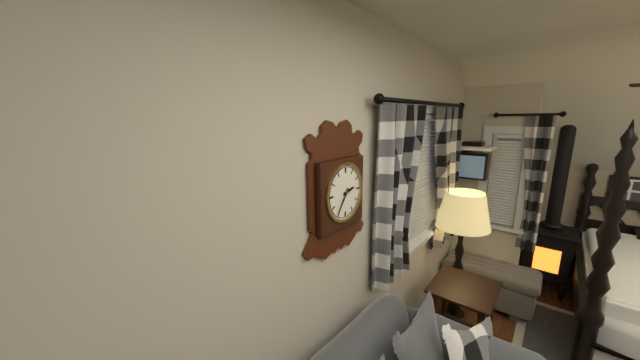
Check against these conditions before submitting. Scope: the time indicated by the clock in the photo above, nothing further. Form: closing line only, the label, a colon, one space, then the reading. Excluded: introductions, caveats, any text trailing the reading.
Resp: 2:36
